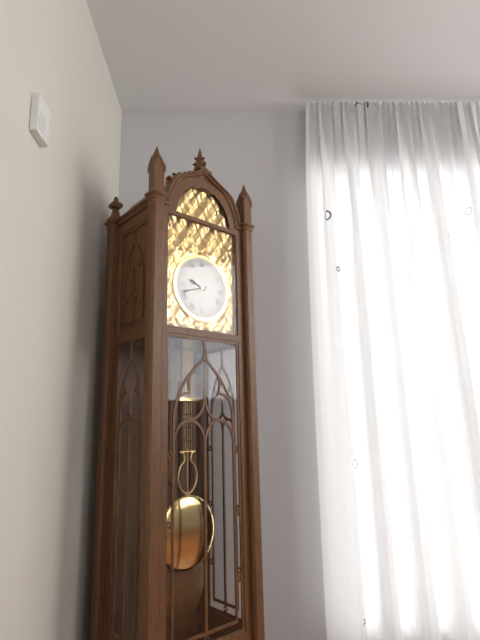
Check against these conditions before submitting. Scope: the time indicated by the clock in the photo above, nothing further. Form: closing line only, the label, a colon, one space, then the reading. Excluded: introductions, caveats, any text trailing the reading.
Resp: 9:42
